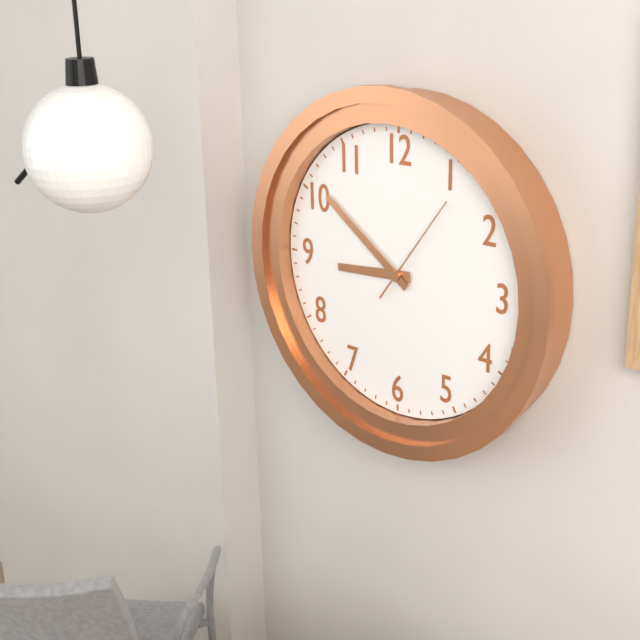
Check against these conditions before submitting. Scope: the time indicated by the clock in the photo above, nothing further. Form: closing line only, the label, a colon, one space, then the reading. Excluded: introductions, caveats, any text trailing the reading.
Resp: 8:51:06
